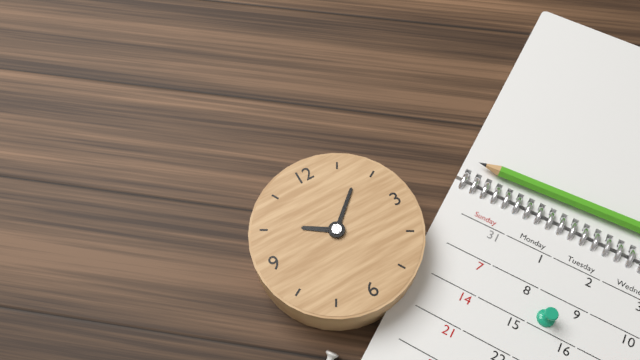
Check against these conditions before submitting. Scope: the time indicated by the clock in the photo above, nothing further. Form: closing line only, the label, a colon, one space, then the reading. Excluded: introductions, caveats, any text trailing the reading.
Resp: 10:08
